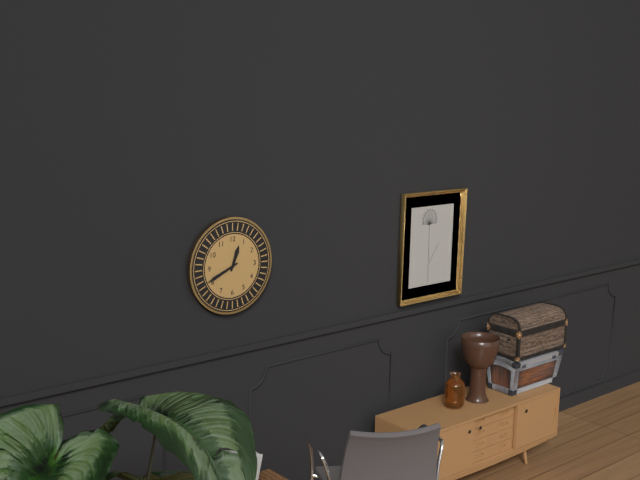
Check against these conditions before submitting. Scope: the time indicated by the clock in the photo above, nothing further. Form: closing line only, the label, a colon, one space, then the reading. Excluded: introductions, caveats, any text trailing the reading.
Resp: 12:41
